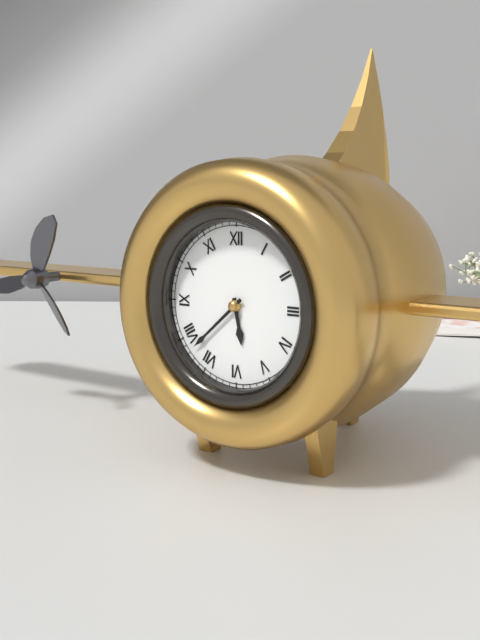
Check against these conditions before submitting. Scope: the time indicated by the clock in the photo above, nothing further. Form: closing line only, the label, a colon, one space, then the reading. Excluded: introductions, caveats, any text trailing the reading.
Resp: 5:38
